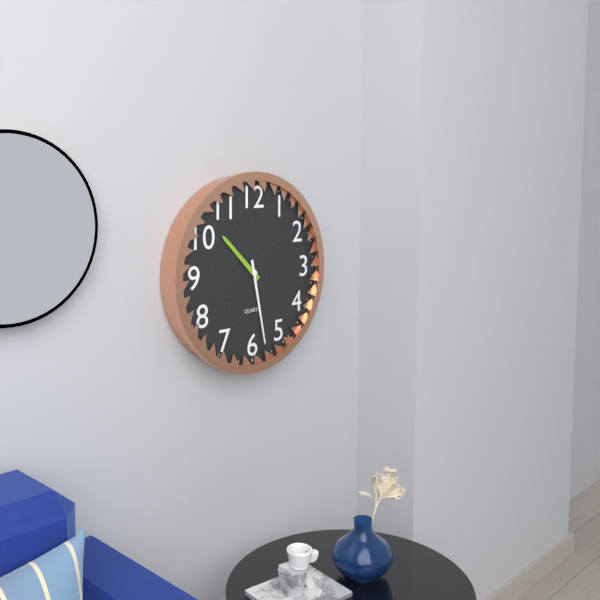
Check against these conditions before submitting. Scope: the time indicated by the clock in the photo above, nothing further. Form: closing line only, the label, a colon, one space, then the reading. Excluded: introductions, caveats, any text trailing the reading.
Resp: 10:28
